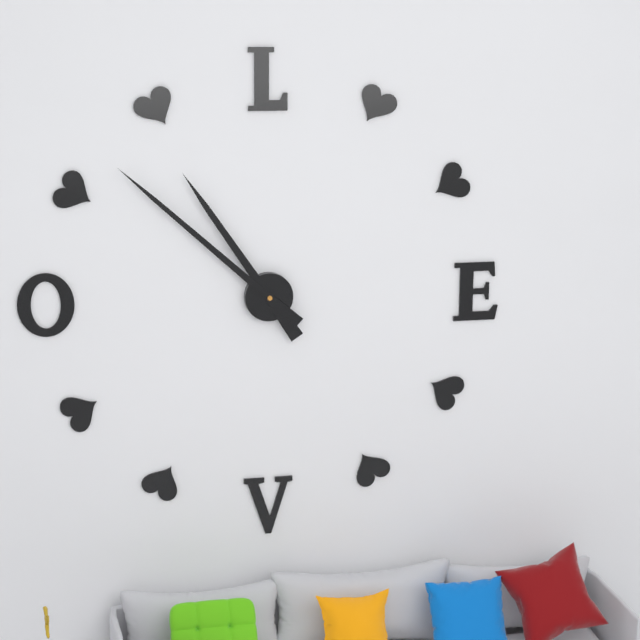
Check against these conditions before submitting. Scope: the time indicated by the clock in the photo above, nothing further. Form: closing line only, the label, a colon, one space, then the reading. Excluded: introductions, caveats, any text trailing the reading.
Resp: 10:52
